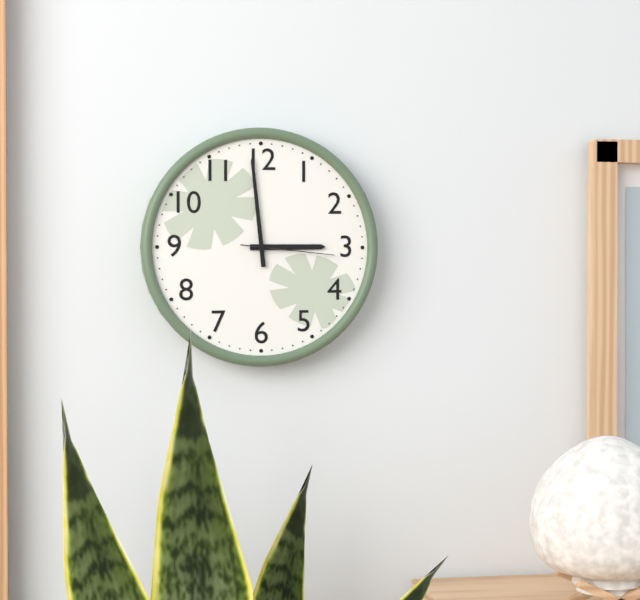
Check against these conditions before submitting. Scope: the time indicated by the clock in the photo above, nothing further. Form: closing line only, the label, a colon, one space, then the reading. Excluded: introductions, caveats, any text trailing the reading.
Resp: 2:59:16
